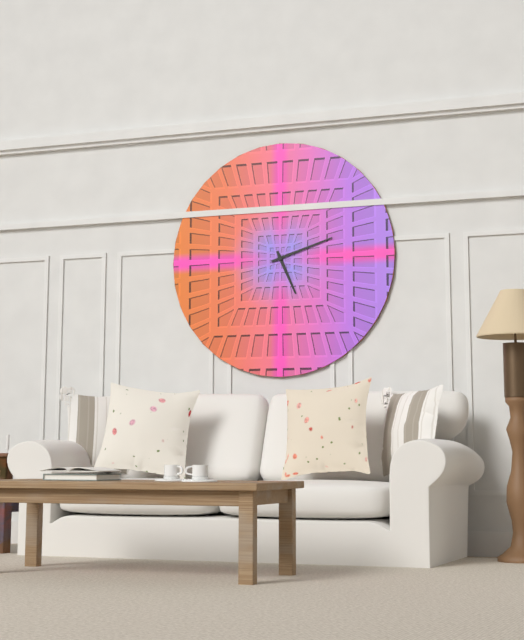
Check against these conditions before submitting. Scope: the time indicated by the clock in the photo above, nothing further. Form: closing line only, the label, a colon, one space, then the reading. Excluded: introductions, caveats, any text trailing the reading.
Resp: 5:12
